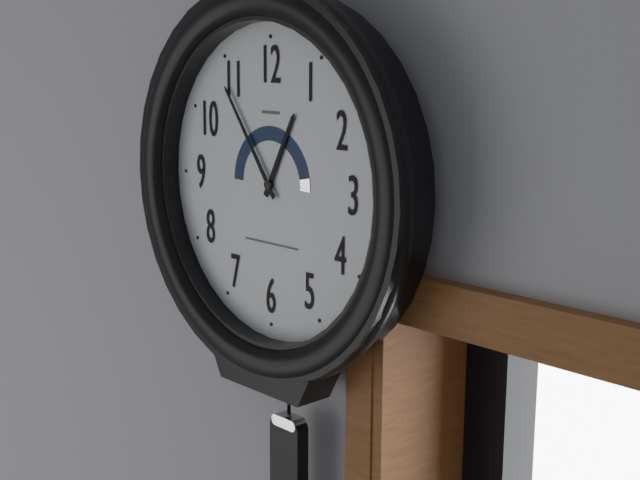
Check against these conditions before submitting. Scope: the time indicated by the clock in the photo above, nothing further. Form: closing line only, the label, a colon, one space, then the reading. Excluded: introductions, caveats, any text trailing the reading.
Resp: 12:54
